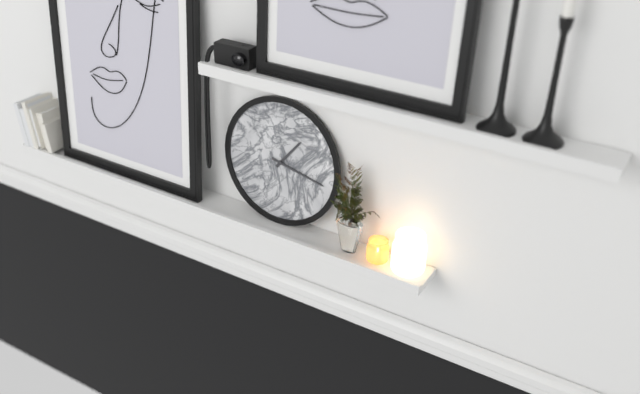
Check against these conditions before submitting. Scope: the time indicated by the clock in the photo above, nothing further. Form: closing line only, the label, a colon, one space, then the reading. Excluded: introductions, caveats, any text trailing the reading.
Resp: 1:17
